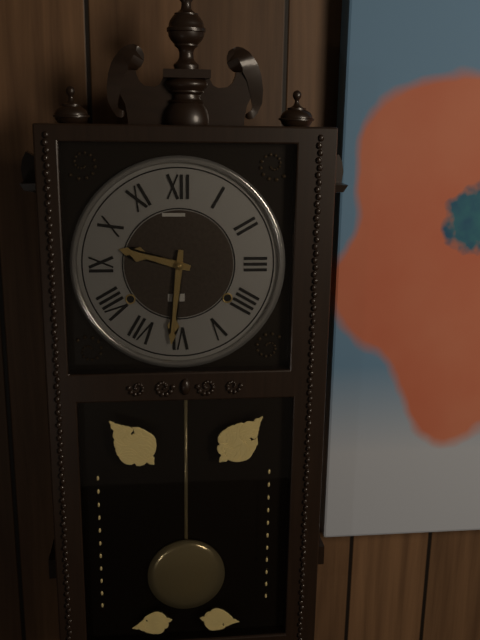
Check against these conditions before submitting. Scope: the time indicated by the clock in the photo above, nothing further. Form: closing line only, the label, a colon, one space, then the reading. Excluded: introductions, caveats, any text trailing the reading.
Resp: 9:31
